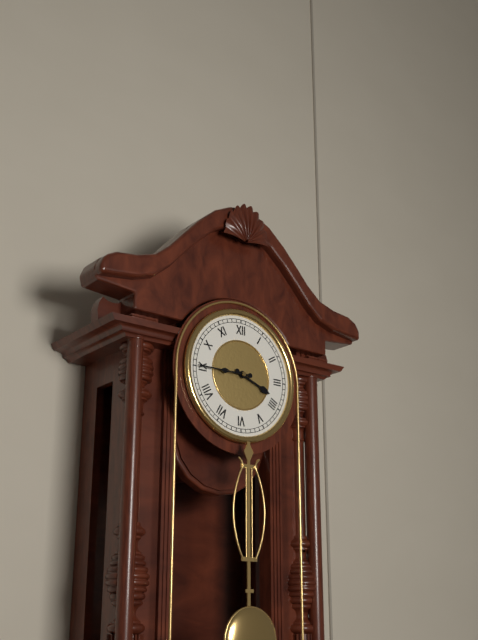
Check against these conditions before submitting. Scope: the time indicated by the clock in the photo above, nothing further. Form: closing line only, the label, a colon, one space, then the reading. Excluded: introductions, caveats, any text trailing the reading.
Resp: 3:45
